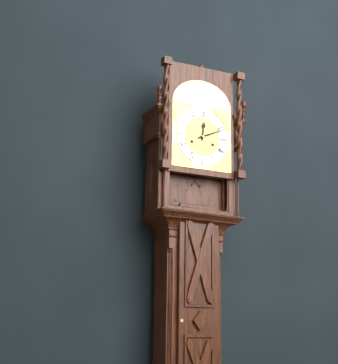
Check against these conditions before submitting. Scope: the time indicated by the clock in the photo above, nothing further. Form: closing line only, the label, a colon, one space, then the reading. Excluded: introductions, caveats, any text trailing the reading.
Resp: 12:11
